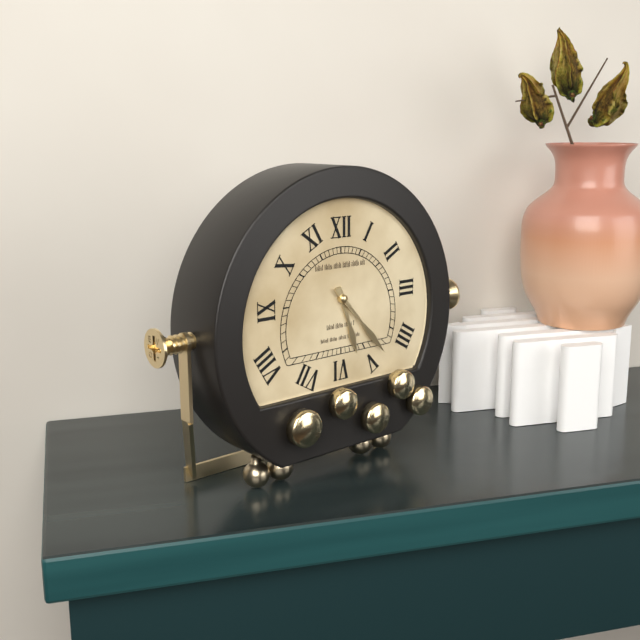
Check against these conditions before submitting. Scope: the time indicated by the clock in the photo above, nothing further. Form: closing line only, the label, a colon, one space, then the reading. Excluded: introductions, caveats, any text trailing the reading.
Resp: 5:23
